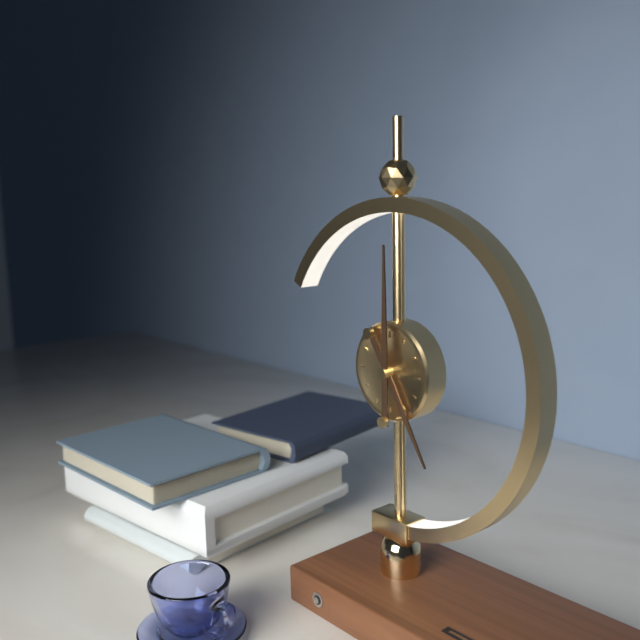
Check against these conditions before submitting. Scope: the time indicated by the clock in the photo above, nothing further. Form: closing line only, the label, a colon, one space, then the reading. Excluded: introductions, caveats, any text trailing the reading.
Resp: 5:00
